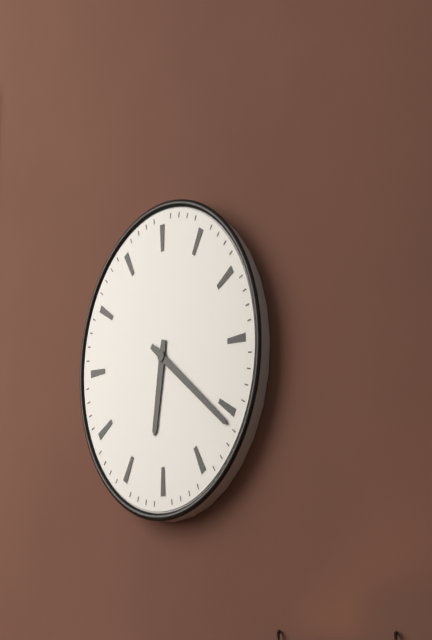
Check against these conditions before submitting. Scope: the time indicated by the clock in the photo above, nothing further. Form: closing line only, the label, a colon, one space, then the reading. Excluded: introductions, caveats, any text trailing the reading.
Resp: 6:21
